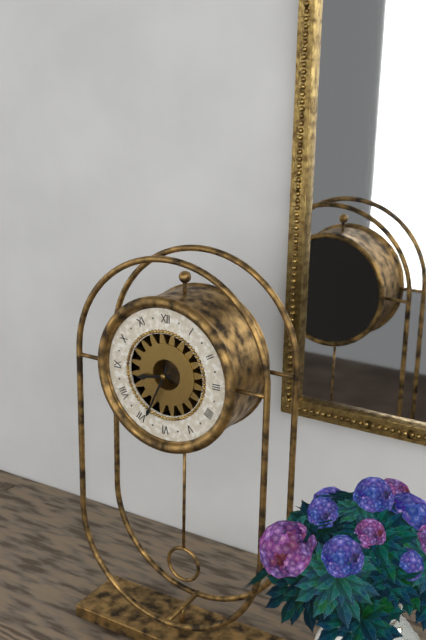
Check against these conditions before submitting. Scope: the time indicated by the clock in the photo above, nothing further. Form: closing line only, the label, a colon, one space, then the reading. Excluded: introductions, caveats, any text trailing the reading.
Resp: 8:34
